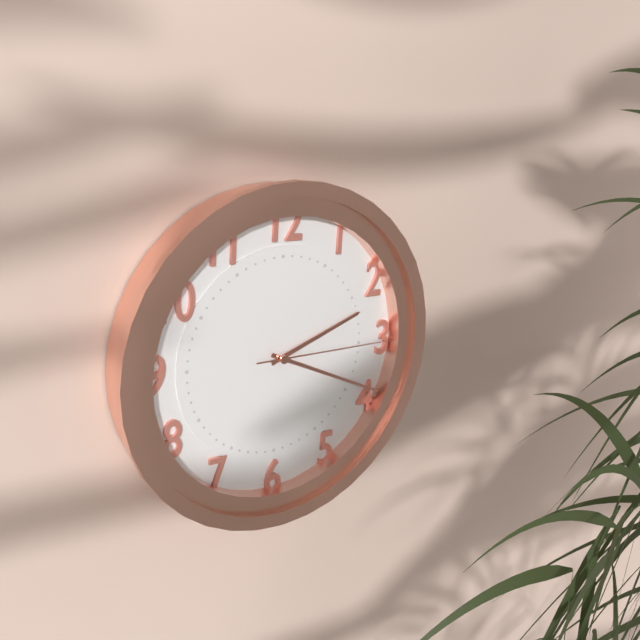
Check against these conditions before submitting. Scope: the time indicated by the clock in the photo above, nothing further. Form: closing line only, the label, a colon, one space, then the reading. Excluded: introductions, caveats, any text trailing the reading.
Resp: 2:19:15
